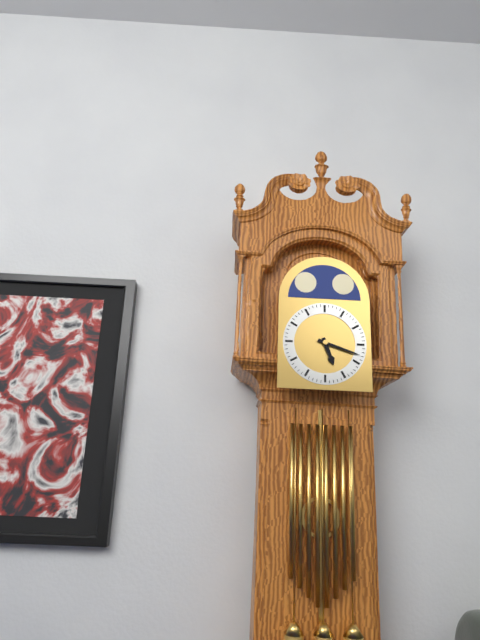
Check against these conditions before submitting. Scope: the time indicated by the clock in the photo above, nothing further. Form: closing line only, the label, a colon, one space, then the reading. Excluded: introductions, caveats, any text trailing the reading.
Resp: 5:18
